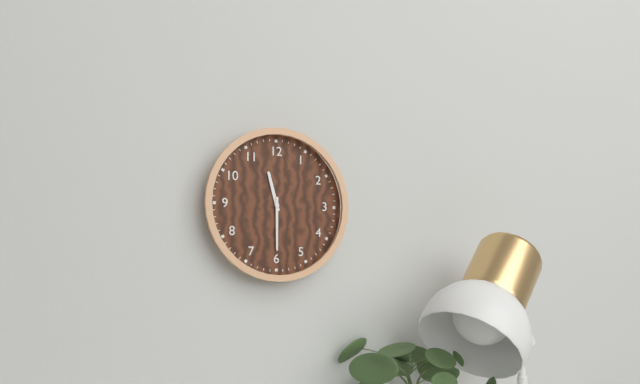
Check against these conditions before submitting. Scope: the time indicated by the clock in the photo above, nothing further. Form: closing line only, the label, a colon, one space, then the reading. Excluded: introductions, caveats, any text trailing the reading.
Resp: 11:30
